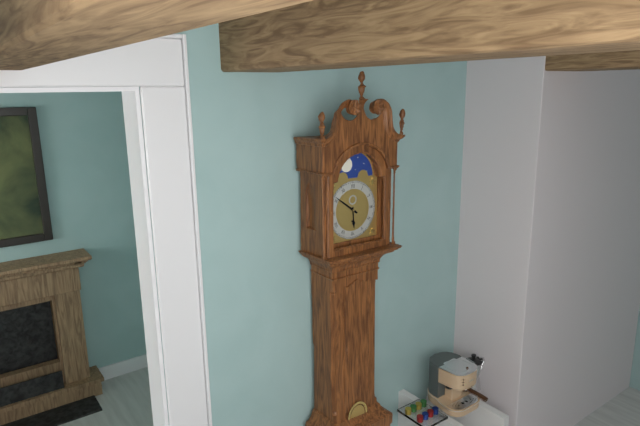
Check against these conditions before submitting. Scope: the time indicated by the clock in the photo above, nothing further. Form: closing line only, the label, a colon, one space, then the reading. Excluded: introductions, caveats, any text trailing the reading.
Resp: 5:51
